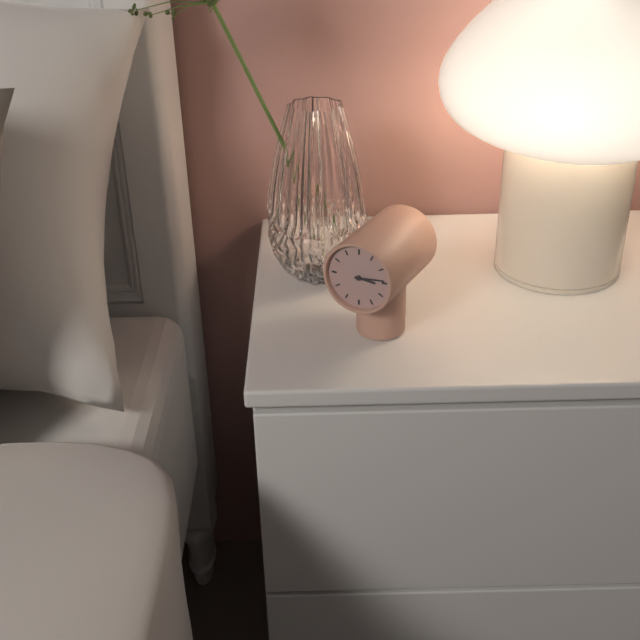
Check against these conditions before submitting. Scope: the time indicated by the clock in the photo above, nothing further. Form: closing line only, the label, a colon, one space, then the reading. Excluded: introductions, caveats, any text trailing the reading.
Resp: 3:14
